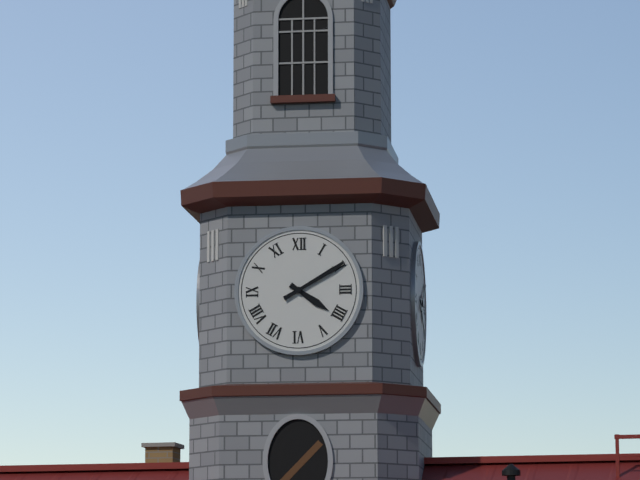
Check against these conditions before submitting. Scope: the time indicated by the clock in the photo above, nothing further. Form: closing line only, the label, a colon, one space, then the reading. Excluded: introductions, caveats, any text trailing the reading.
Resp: 4:10
